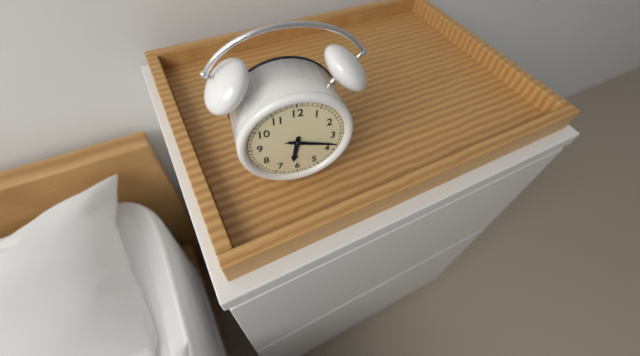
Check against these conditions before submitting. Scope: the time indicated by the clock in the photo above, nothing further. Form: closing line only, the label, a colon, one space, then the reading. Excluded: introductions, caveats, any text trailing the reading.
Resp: 6:18
